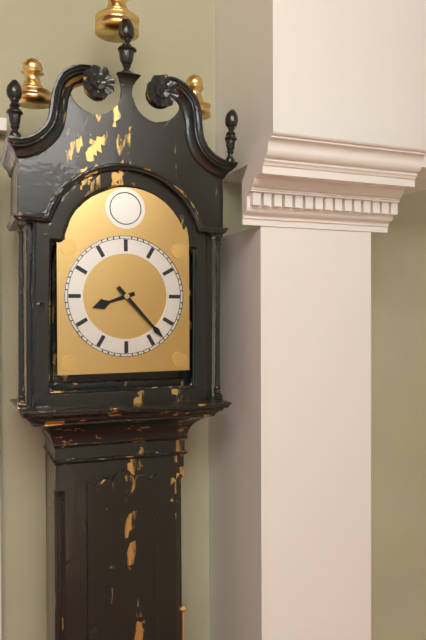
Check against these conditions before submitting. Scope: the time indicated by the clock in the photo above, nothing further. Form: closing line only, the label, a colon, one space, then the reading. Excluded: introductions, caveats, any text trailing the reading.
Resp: 8:23
